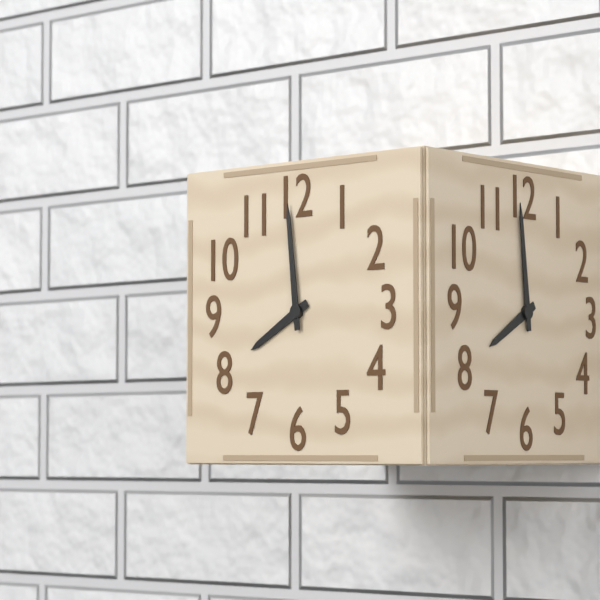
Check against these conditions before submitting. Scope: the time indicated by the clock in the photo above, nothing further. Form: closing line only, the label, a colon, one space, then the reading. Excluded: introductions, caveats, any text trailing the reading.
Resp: 7:59
